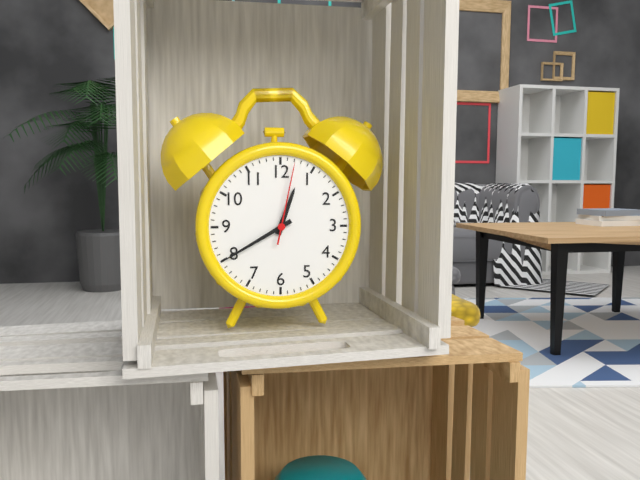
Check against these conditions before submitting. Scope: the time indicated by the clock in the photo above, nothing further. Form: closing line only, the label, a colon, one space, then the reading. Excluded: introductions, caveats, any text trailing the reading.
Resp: 12:40:02
